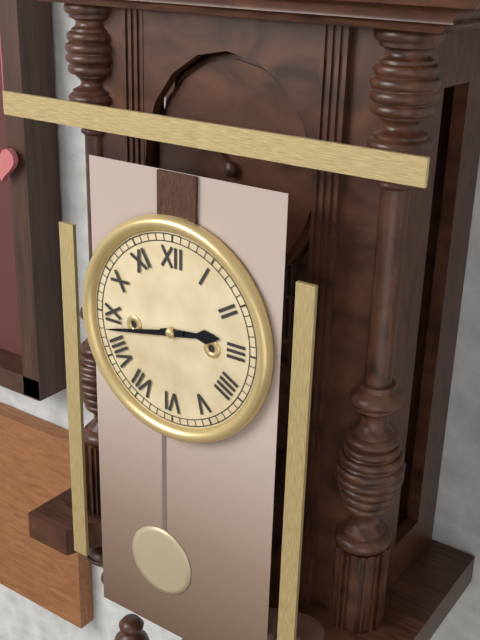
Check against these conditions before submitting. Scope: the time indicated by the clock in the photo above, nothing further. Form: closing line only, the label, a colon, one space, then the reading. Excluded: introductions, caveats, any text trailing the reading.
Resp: 2:43
